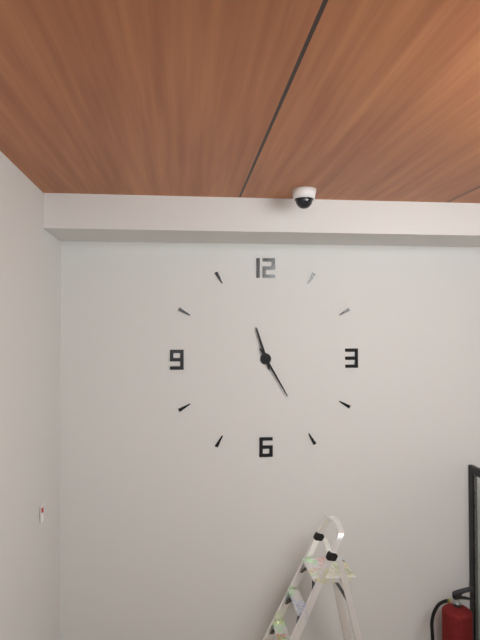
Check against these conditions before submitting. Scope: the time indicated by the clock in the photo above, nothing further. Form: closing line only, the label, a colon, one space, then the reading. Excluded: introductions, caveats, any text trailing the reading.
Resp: 11:25
